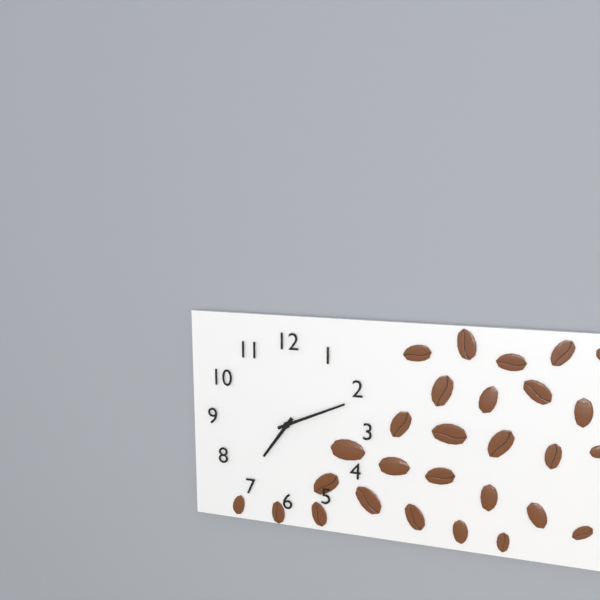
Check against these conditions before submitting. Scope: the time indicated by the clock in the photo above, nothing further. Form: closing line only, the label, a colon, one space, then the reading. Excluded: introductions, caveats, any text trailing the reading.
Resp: 7:11
